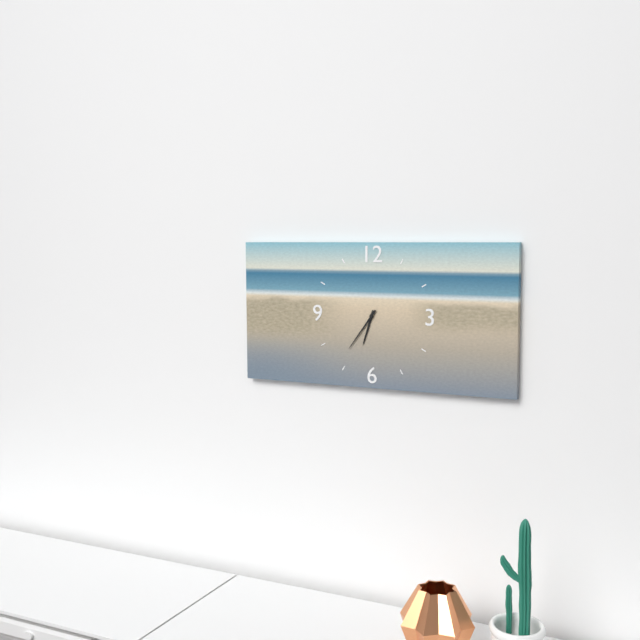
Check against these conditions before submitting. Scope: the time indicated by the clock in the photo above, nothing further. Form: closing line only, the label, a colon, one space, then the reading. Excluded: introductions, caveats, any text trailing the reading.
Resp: 6:36
